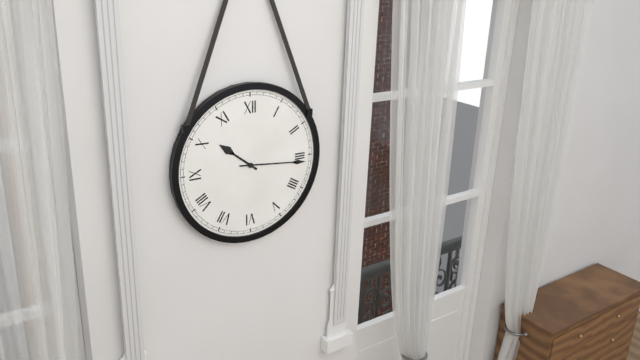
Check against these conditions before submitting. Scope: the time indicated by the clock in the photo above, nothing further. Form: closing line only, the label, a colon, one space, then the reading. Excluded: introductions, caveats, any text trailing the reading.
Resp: 10:16
